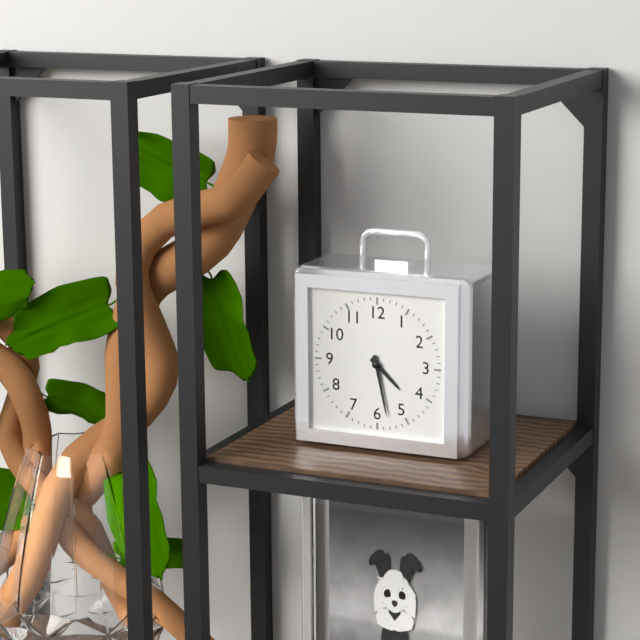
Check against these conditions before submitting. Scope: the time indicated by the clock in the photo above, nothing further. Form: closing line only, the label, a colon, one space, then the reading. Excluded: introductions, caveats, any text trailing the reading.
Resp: 4:28
